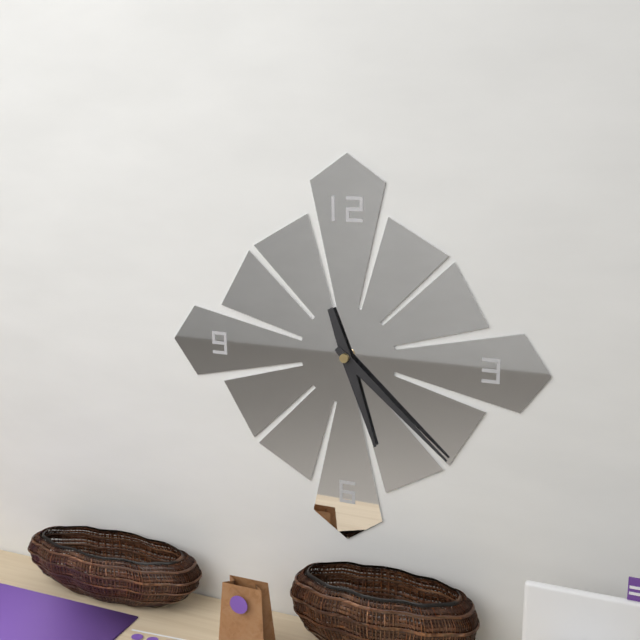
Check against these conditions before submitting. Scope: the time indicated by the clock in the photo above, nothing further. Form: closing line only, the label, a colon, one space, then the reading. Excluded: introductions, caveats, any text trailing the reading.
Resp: 5:22
